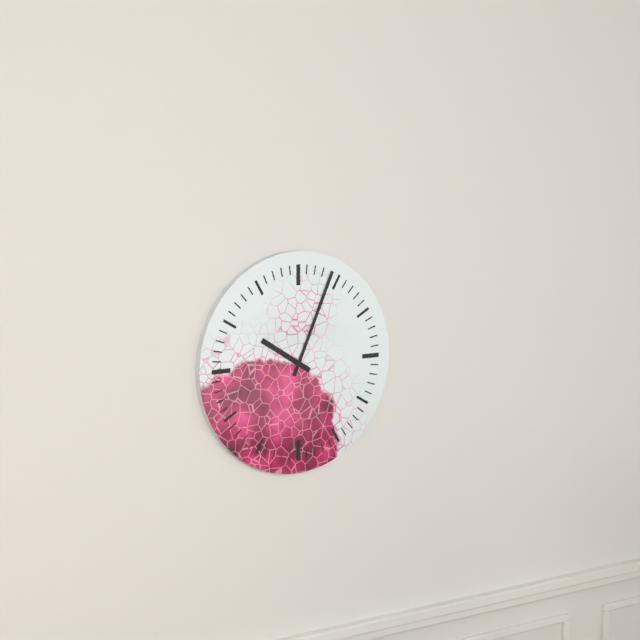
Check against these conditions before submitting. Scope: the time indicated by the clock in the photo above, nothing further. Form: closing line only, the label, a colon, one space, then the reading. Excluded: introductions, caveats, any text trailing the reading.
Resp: 10:04
